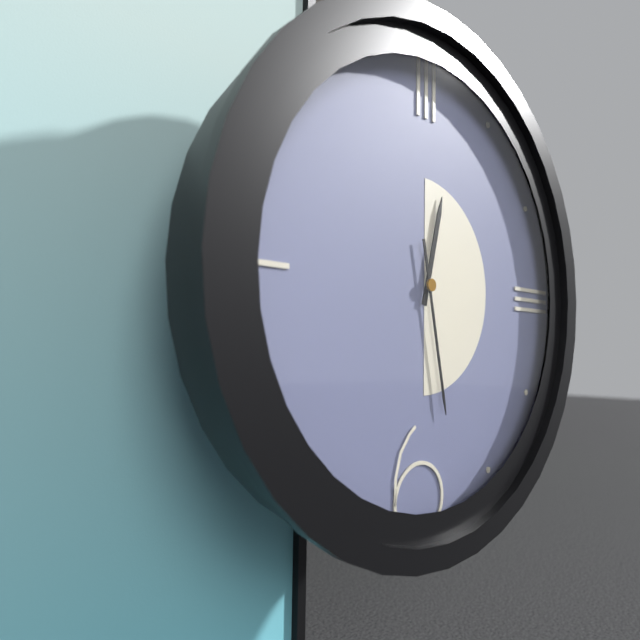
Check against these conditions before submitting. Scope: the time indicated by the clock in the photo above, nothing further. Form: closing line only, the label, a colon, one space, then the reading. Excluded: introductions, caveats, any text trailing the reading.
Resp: 12:28
